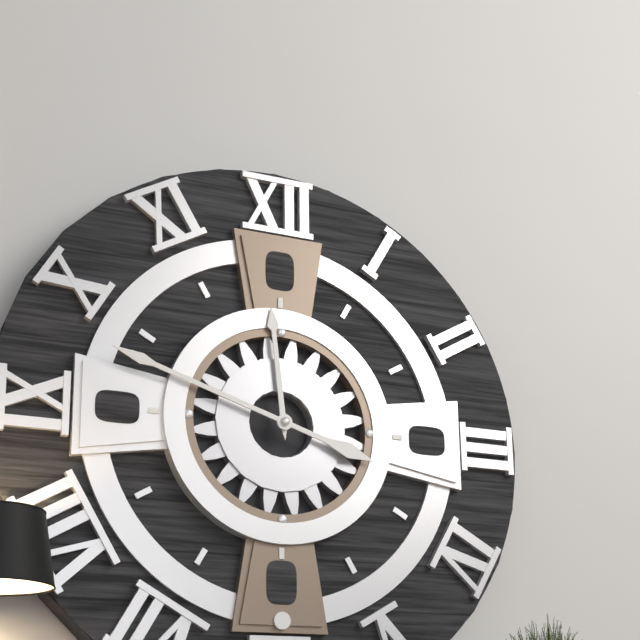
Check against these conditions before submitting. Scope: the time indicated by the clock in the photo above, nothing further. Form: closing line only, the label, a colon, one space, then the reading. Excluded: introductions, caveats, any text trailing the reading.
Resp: 11:48
